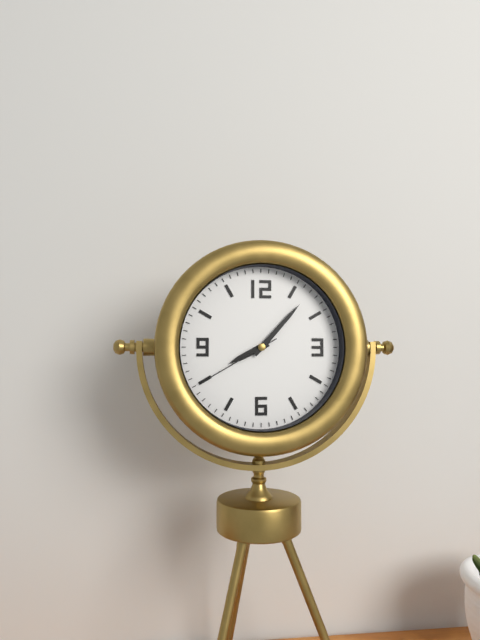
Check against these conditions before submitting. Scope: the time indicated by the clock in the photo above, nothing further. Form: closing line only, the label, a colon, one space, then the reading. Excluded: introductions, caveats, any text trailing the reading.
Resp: 8:07:40
